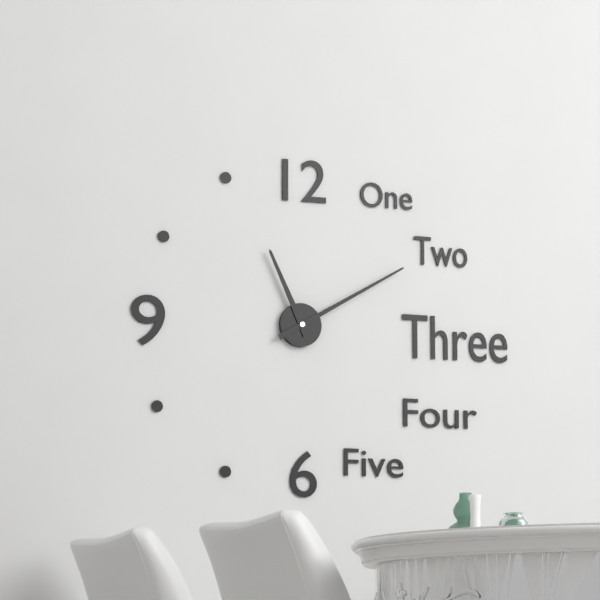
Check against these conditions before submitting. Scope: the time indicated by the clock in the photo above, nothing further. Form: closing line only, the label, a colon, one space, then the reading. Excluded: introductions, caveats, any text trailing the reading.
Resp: 11:10
